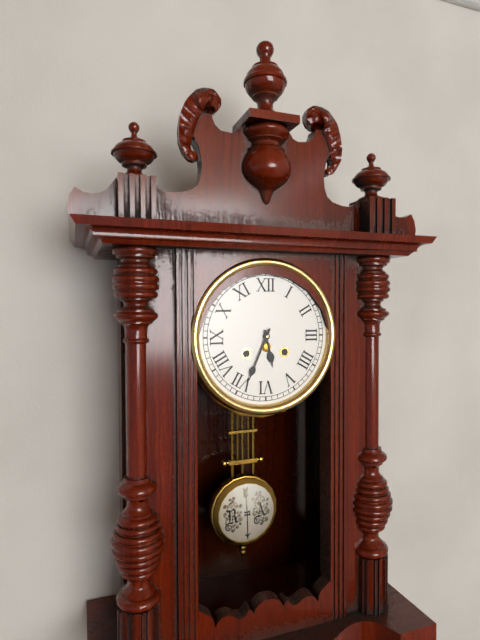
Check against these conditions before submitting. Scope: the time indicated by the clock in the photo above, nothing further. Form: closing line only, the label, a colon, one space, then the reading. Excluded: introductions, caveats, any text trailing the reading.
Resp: 5:34
